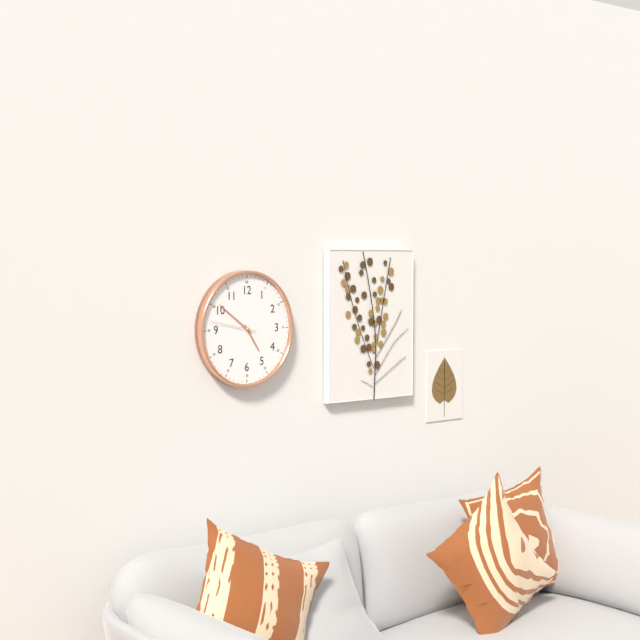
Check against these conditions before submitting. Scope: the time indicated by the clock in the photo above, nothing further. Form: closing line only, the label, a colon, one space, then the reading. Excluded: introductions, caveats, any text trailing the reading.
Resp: 4:51
